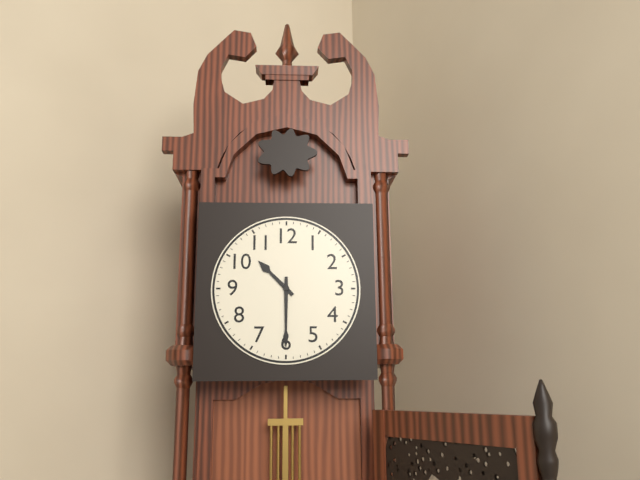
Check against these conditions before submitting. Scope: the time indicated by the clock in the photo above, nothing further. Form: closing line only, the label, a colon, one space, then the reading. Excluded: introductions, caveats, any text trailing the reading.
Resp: 10:30
